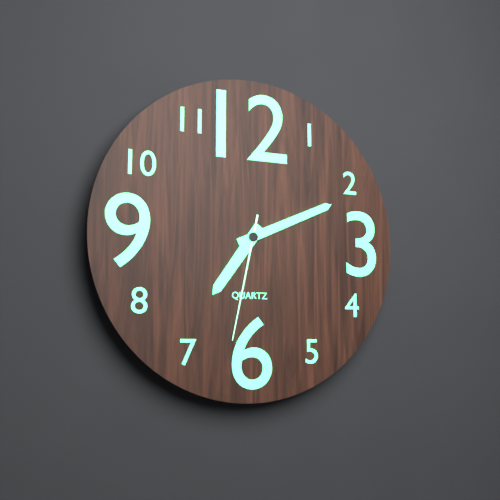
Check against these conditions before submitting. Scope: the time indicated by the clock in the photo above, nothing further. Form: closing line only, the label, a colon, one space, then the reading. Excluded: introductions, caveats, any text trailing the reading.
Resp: 7:11:32
